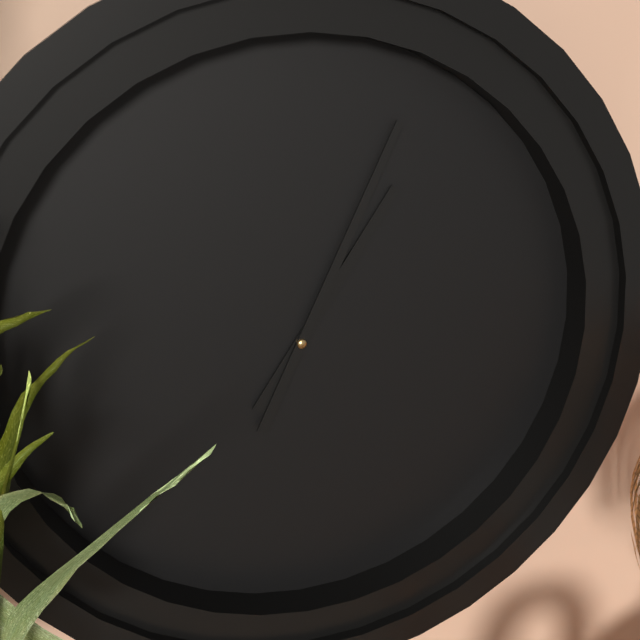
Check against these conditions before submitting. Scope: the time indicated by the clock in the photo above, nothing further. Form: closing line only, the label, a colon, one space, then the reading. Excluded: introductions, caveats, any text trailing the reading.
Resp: 1:04
